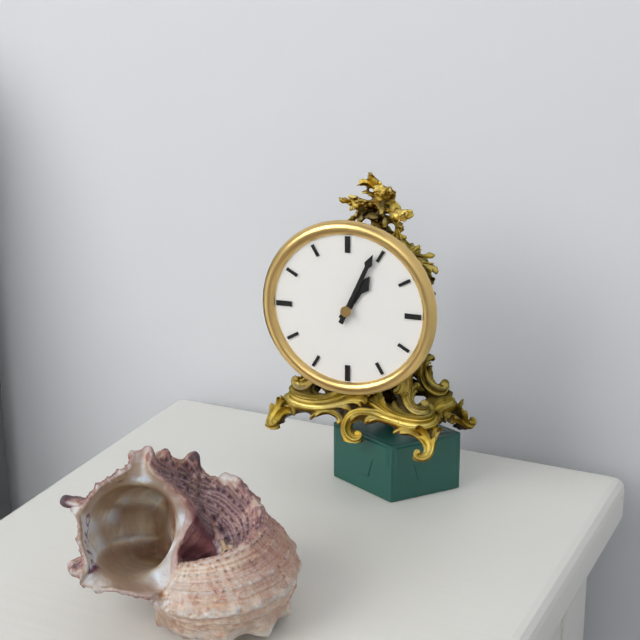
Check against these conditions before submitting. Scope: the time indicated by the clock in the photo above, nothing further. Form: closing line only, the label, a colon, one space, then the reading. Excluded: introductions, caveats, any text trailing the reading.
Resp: 1:04
